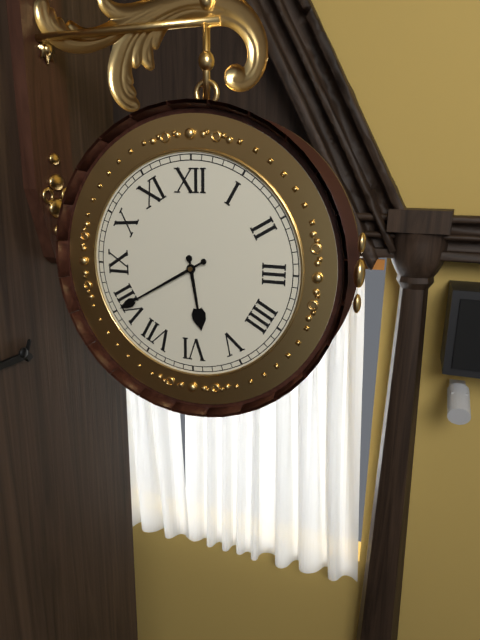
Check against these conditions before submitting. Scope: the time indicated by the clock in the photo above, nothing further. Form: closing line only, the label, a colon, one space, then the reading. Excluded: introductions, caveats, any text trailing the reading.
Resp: 5:40
